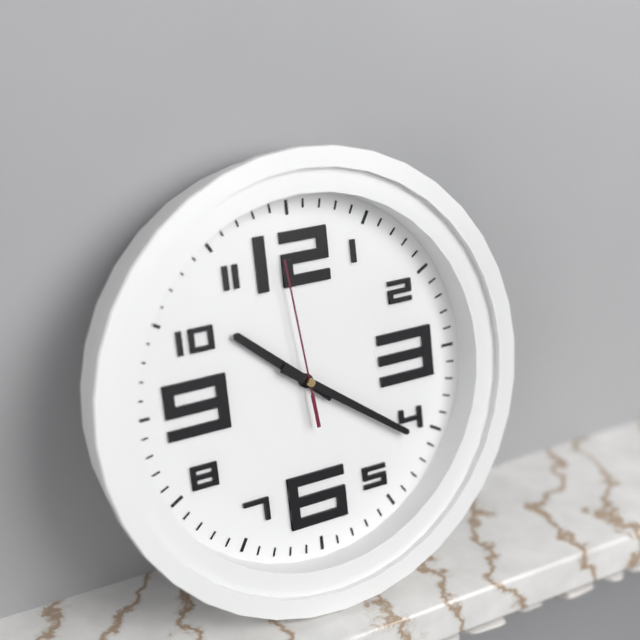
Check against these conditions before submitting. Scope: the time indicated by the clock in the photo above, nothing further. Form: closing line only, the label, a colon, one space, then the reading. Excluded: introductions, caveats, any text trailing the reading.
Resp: 10:21:59
